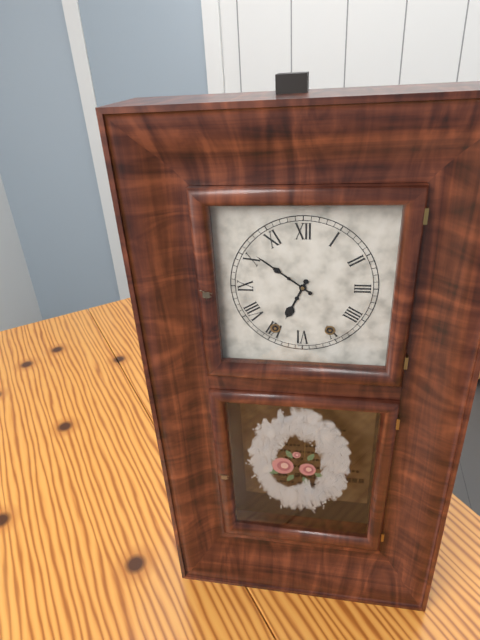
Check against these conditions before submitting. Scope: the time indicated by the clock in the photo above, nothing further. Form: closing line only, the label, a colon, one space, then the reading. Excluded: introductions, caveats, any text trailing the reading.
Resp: 6:51
